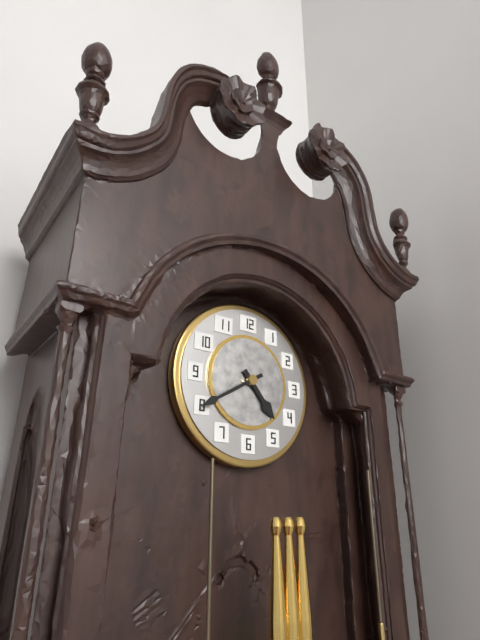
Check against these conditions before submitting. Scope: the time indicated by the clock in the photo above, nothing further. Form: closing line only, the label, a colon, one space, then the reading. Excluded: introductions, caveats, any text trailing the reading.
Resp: 4:40
